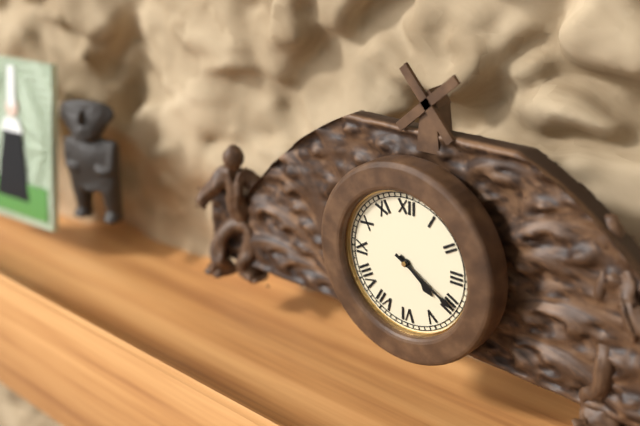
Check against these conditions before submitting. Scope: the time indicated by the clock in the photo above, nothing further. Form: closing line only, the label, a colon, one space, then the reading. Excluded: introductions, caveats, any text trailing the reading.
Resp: 4:20
